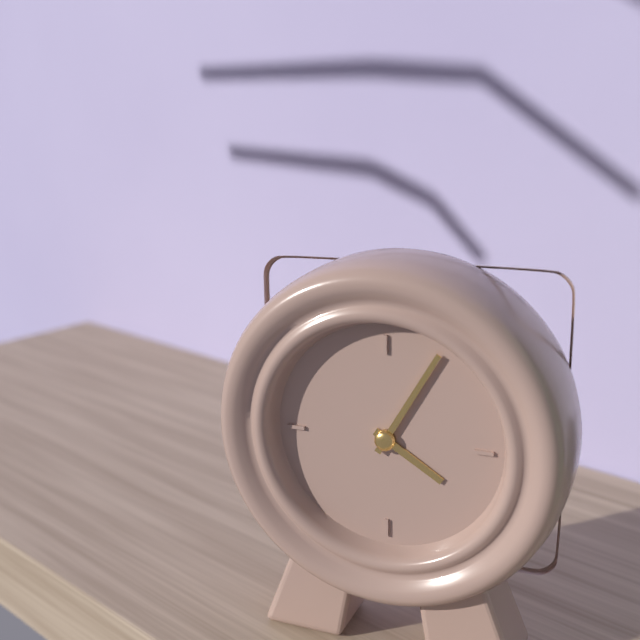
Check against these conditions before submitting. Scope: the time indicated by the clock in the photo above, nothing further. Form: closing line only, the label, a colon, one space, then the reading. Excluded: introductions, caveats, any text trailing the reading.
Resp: 4:05
